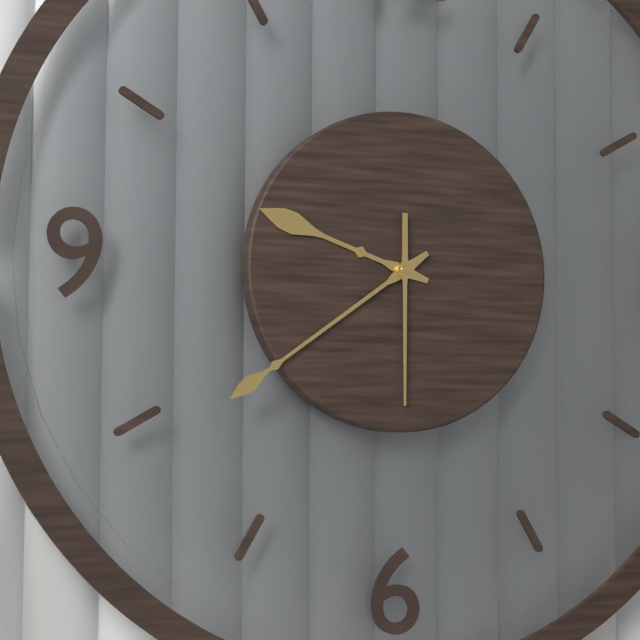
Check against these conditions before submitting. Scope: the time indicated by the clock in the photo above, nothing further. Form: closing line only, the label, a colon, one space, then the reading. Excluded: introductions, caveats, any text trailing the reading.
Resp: 9:39:30
